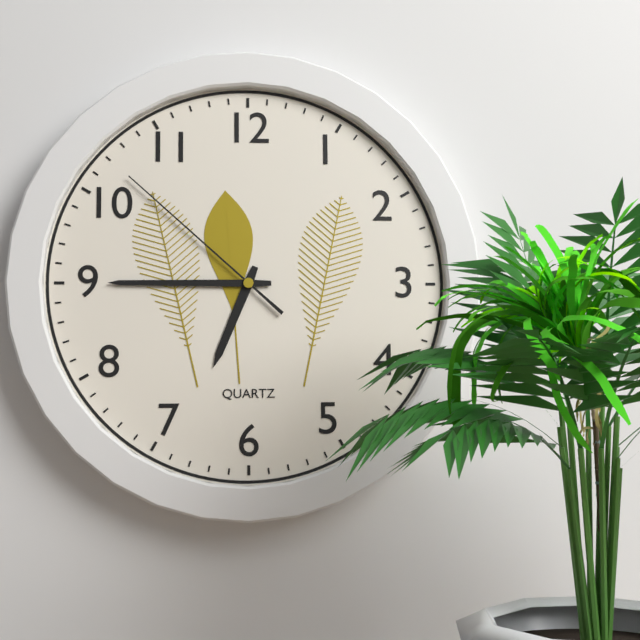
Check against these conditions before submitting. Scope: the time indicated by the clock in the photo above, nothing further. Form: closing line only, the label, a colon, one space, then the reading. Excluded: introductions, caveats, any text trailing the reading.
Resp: 6:45:52
